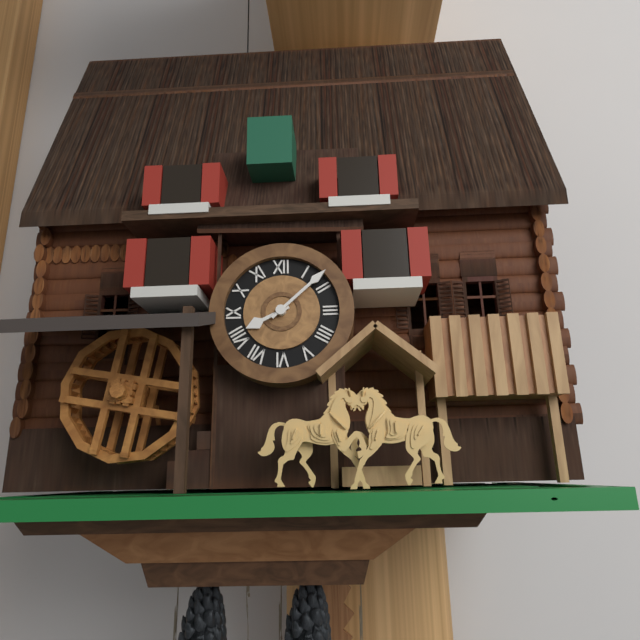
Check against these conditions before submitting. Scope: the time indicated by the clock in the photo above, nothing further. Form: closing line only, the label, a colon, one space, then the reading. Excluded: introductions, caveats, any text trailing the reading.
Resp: 8:08
